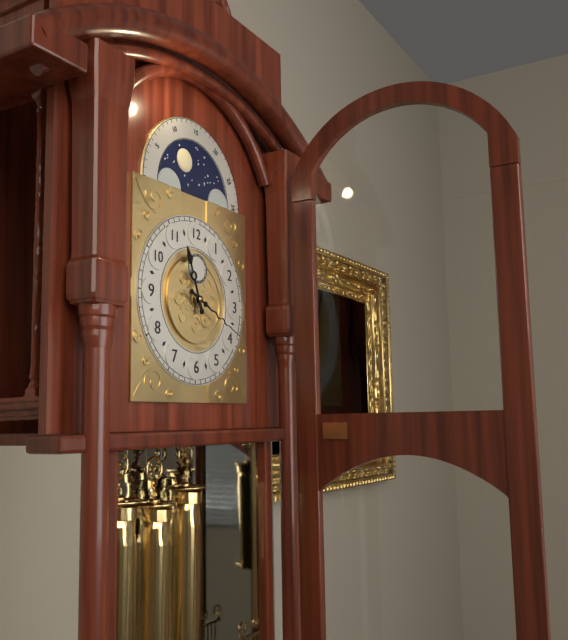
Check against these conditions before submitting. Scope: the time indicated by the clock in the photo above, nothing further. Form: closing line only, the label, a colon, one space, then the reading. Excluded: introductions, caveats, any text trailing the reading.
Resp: 11:19
